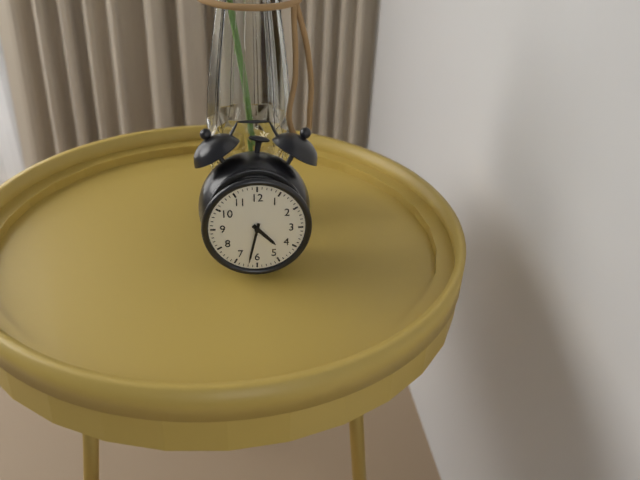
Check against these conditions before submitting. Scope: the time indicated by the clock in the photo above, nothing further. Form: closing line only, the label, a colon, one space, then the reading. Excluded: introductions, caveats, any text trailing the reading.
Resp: 4:32
